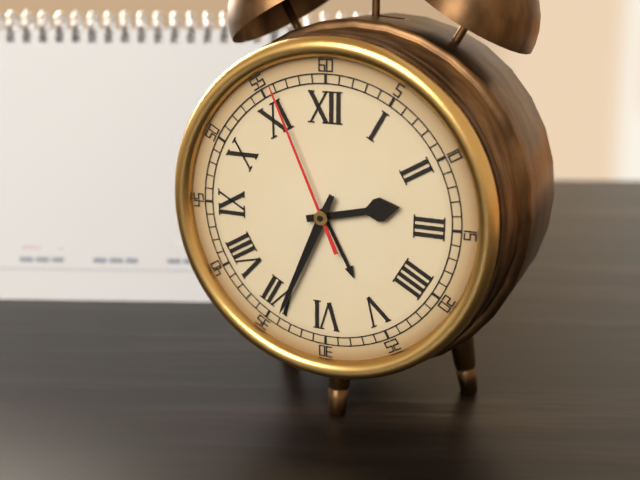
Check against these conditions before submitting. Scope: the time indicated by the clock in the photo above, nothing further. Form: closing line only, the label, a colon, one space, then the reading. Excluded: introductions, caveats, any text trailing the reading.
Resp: 2:34:56
